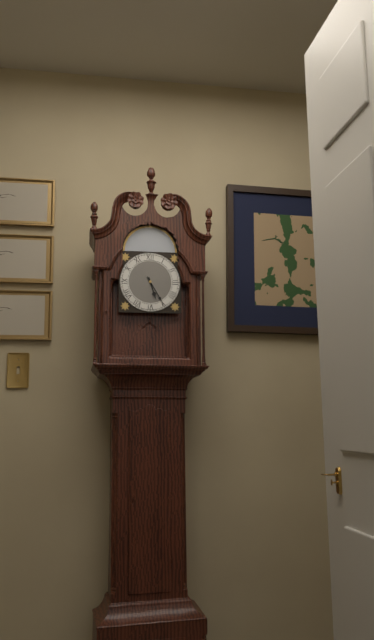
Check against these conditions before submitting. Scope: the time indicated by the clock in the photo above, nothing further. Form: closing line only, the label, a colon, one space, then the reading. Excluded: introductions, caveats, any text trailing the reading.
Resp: 5:25
